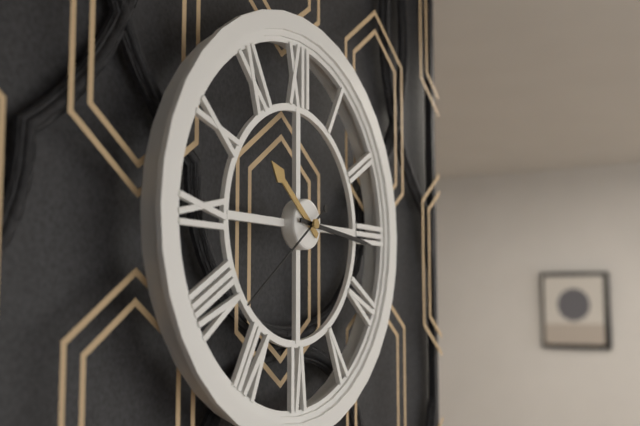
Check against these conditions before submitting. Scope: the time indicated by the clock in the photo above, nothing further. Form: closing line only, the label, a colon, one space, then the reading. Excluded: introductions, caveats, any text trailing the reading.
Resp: 10:16:39
